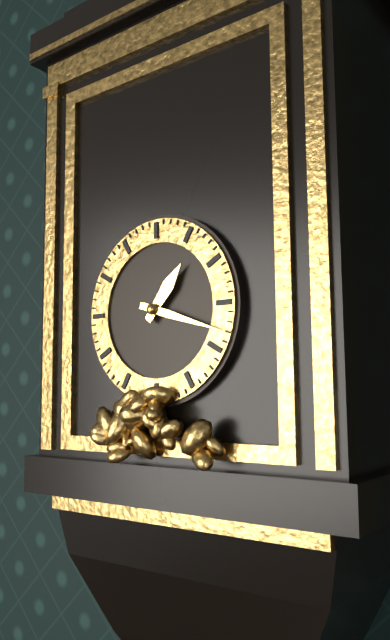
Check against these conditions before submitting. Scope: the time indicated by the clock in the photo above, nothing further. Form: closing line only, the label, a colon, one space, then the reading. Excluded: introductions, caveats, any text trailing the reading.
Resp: 1:18
